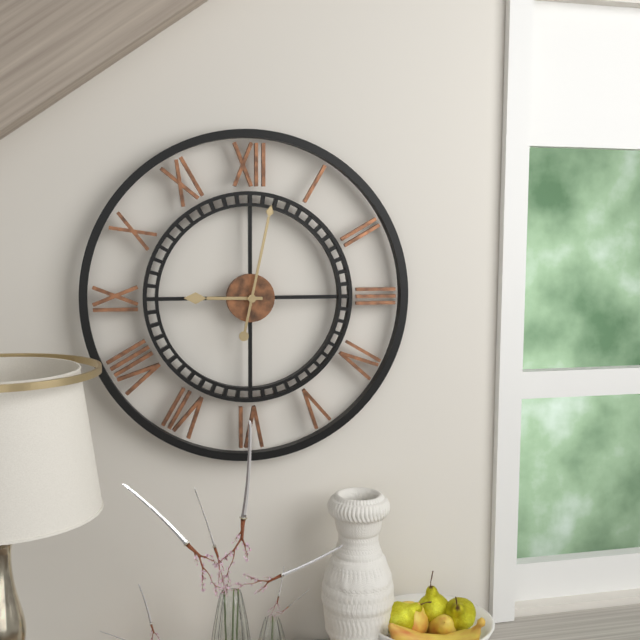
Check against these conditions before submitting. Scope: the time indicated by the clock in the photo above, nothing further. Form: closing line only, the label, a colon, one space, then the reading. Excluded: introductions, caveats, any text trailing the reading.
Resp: 9:02
